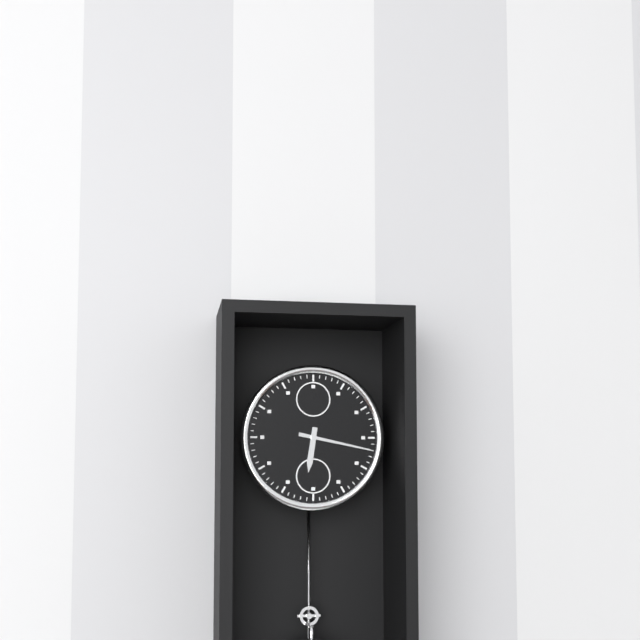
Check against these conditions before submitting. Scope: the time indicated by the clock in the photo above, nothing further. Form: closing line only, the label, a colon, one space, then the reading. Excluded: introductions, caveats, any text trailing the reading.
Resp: 6:17
